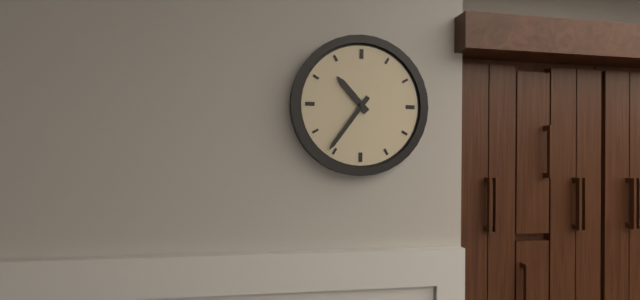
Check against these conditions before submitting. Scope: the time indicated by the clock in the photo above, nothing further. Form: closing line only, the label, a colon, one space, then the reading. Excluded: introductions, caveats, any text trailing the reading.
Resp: 10:36
